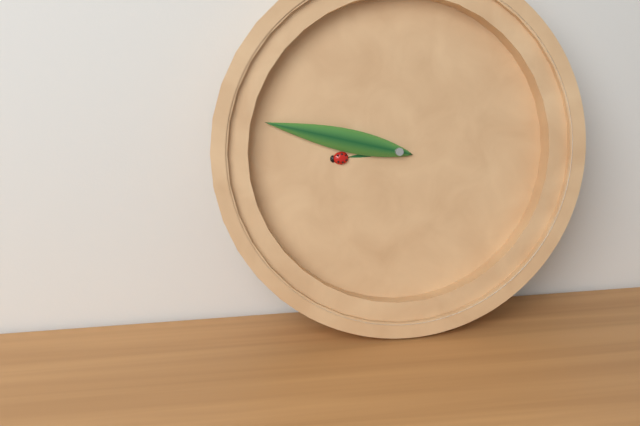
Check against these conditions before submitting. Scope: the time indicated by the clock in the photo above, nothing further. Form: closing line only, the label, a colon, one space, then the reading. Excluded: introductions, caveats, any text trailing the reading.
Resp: 8:47
